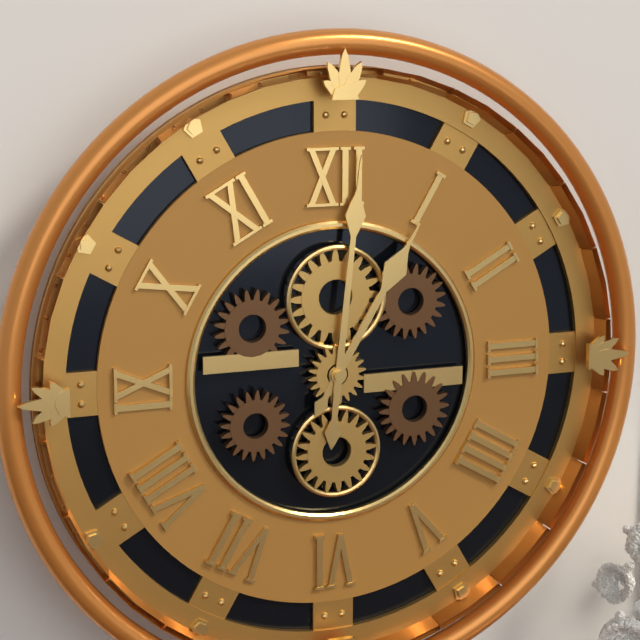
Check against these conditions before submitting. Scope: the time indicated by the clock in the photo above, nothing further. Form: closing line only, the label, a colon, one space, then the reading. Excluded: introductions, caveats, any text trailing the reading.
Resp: 1:01
